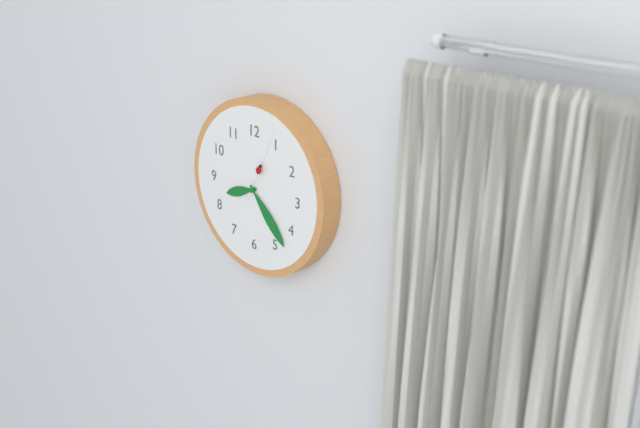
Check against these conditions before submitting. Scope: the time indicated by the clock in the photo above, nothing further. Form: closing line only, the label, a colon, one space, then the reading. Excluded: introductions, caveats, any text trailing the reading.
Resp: 8:23:04
